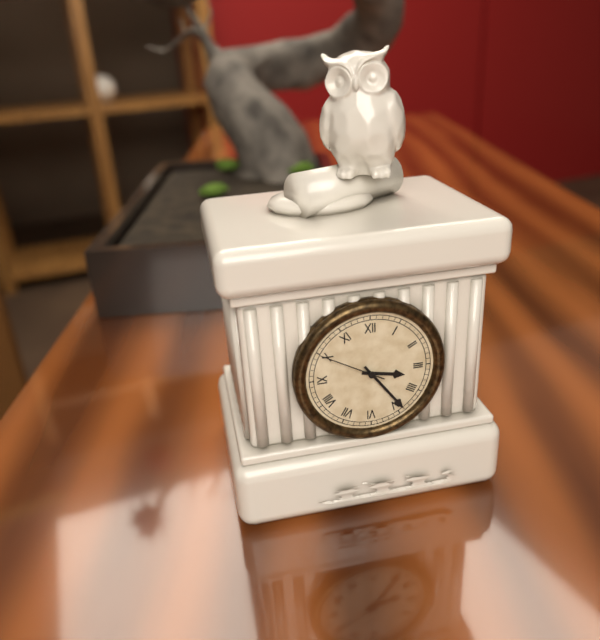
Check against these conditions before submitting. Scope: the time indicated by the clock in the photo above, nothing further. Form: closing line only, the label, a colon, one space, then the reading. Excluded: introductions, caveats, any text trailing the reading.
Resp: 3:24:50
